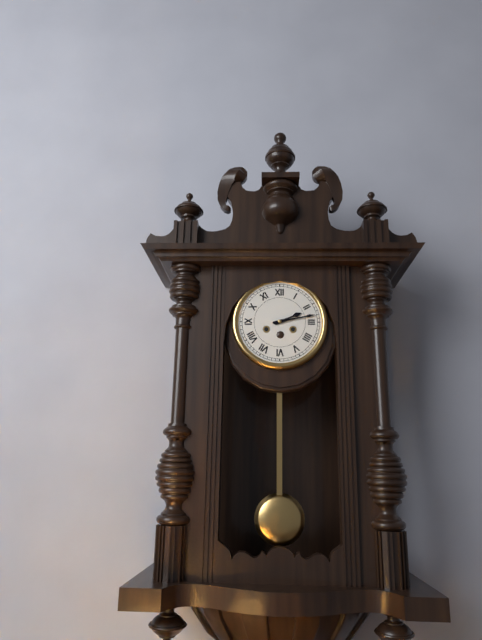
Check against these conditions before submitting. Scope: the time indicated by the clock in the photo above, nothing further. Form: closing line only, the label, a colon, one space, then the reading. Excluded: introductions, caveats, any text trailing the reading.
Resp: 2:13
